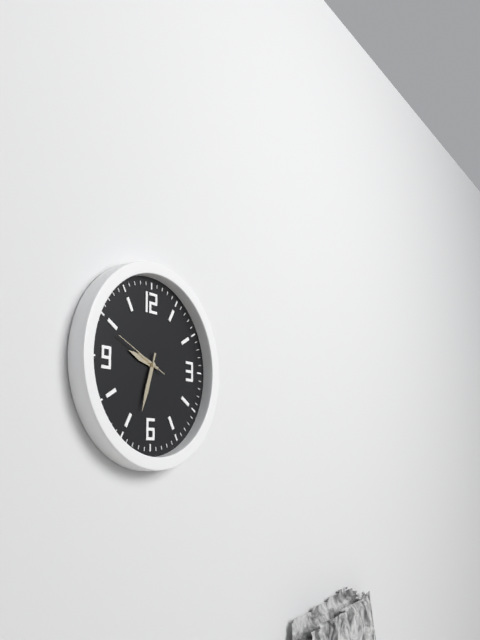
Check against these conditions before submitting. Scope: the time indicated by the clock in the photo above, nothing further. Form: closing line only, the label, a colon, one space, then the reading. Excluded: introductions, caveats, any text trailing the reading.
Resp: 9:33:49
